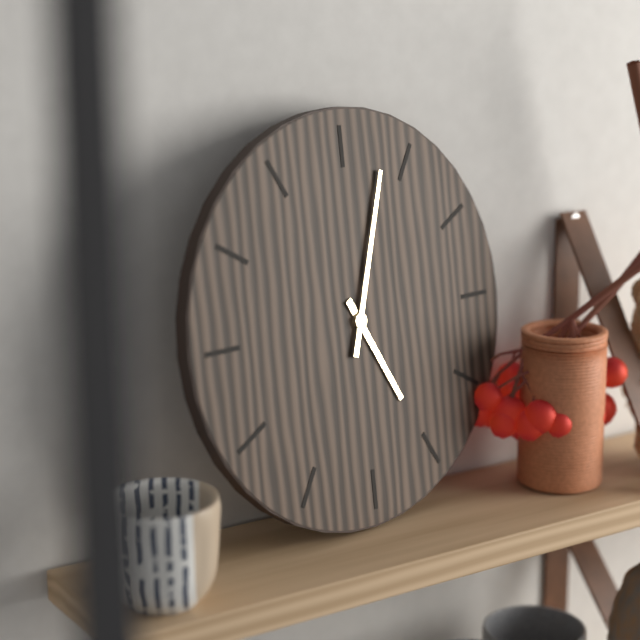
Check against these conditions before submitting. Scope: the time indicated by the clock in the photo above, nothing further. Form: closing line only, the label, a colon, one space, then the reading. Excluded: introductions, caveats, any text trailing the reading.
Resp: 5:03
